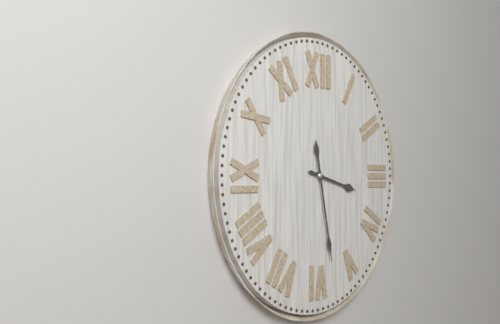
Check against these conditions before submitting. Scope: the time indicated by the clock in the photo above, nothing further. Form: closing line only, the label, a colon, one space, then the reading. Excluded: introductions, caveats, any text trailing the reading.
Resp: 3:28
